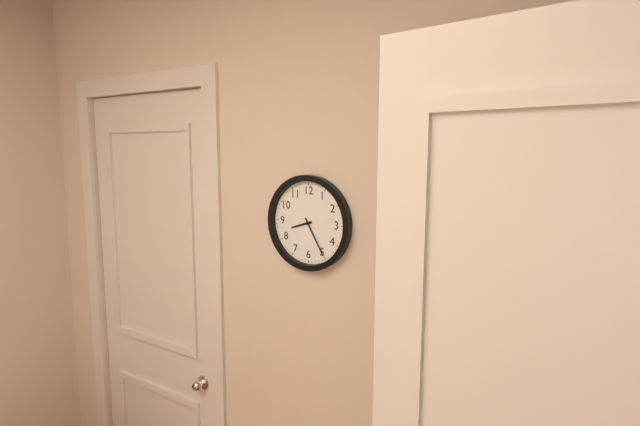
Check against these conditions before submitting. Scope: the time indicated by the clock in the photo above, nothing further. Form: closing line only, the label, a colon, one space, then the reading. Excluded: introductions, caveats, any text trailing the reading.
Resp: 8:25
